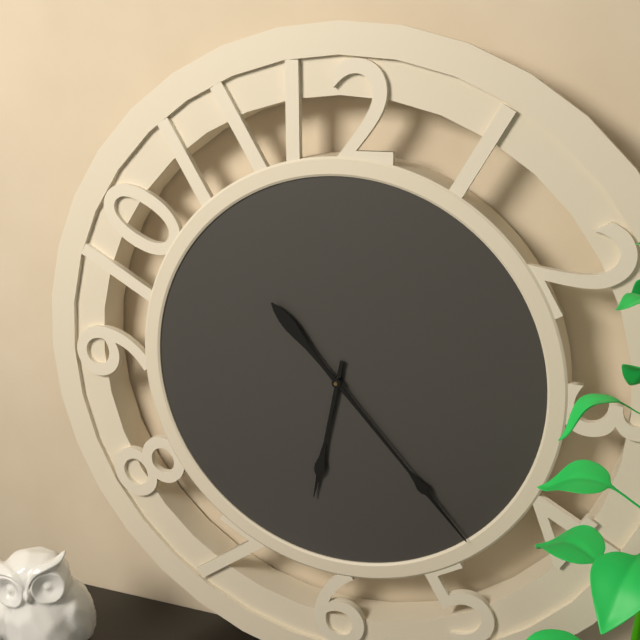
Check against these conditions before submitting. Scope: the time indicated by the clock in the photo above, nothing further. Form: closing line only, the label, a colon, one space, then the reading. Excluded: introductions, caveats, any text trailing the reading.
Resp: 6:23
